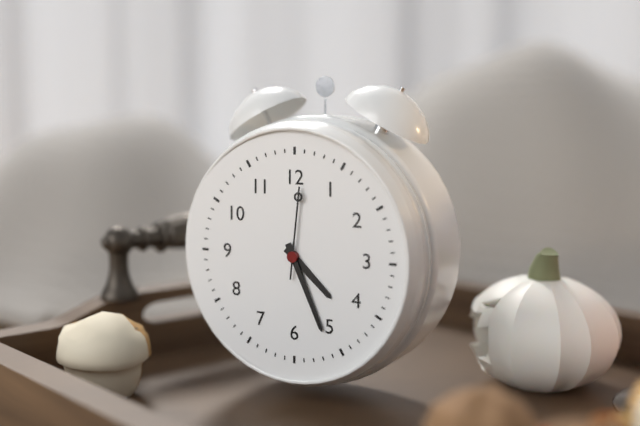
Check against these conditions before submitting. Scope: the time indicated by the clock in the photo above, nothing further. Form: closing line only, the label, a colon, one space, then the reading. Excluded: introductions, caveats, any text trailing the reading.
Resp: 4:26:01
